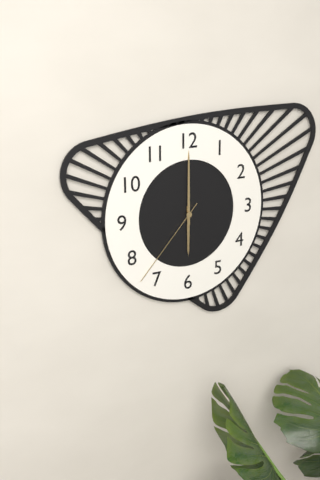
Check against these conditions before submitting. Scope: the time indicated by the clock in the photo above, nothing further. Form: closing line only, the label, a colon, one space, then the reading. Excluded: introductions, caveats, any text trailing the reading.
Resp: 6:00:37
